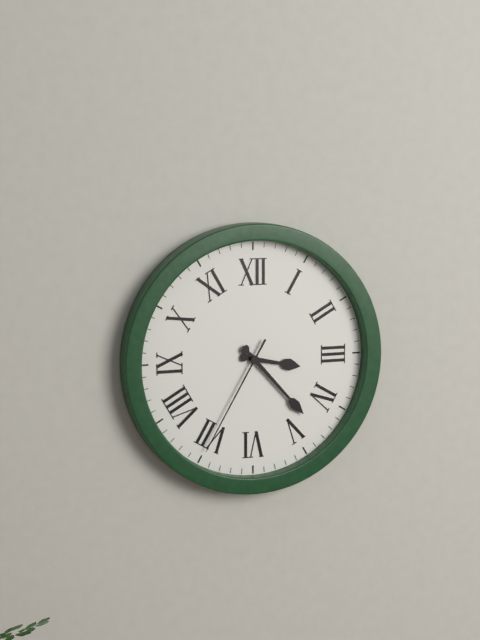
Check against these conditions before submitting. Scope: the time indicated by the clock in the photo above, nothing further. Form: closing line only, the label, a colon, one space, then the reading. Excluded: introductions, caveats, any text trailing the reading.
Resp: 3:23:35
